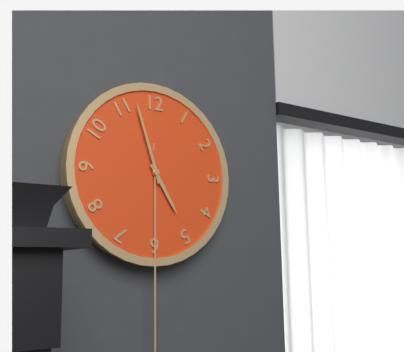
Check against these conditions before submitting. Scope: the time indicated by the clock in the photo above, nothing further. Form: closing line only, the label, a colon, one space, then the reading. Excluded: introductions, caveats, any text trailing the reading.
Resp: 4:57
